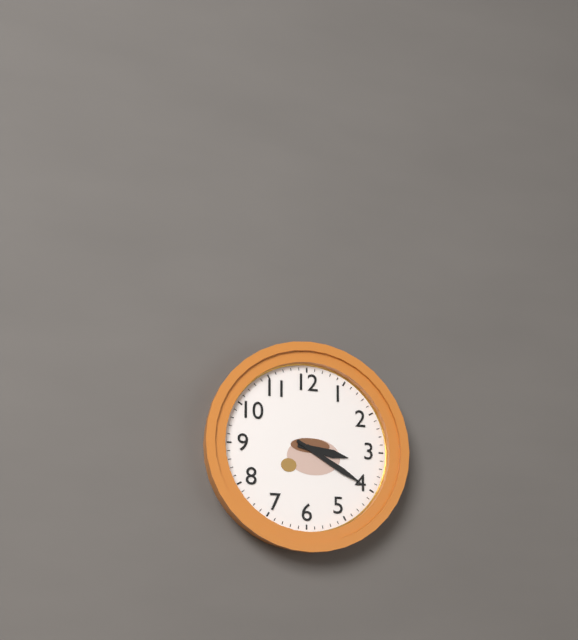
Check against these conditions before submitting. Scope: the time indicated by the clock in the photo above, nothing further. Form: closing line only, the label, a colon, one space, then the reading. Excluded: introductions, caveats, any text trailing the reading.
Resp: 3:20
